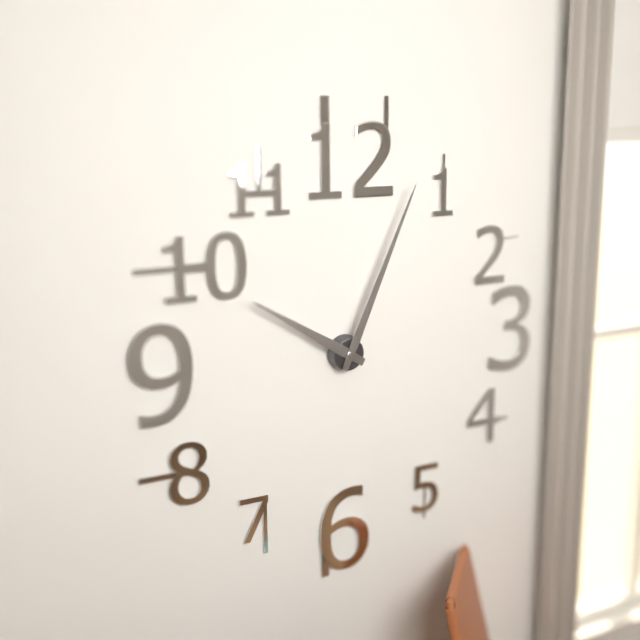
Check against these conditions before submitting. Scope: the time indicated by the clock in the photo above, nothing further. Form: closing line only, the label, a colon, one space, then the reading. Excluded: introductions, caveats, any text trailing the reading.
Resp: 10:04
